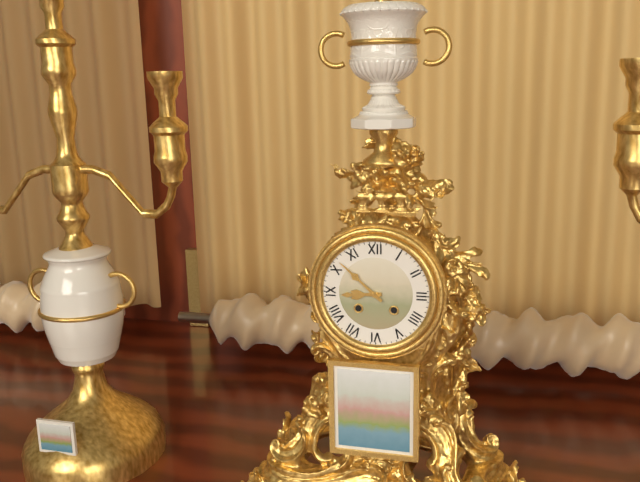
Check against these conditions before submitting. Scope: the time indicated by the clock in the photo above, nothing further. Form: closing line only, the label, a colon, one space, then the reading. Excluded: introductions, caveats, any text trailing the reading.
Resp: 8:52
